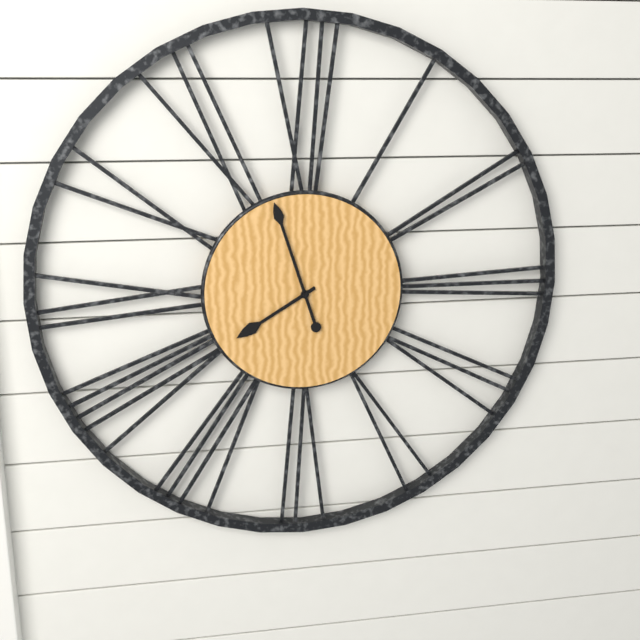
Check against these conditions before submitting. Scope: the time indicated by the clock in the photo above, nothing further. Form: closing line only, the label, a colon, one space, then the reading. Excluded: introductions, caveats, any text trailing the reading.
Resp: 7:57
